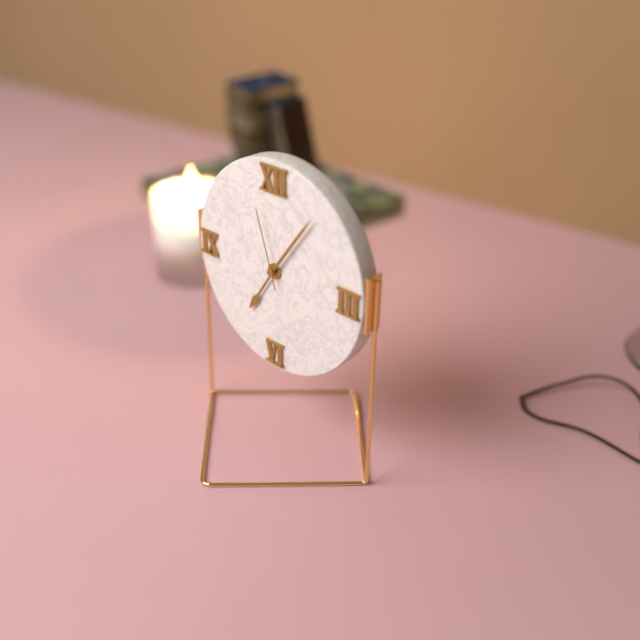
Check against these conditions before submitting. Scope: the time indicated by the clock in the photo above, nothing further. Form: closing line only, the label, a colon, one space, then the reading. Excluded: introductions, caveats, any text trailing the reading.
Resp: 7:06:57
